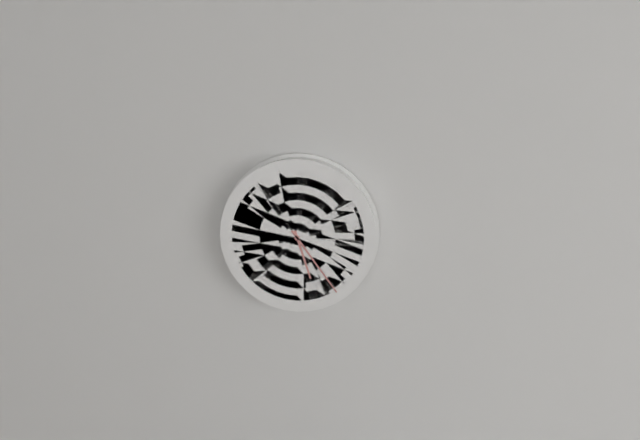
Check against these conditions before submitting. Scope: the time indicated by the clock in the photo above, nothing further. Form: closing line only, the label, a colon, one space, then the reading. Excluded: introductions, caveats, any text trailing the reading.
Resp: 5:24
